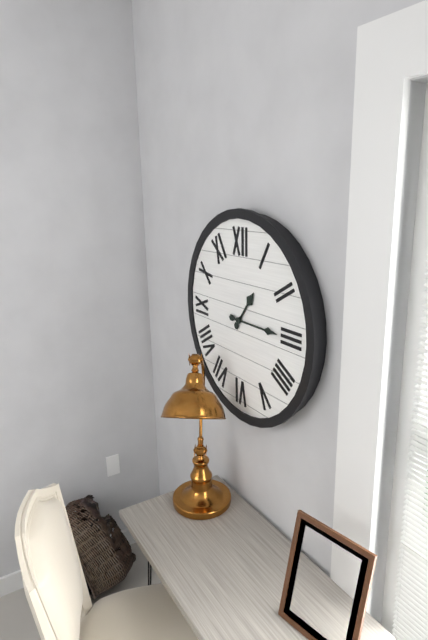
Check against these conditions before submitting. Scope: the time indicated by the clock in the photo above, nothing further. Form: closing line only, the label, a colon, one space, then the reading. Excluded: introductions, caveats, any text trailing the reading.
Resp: 1:15
